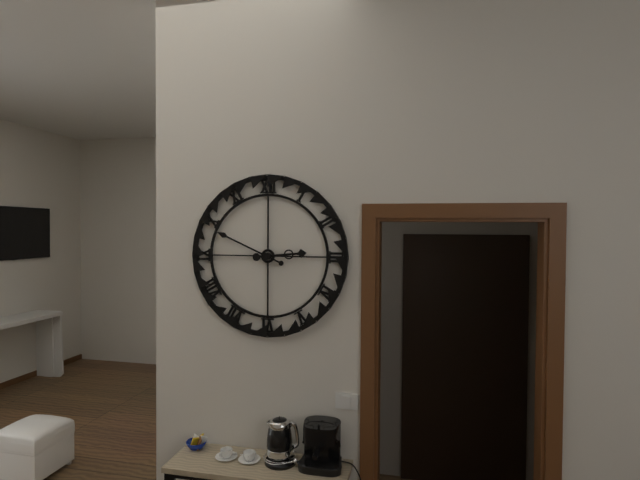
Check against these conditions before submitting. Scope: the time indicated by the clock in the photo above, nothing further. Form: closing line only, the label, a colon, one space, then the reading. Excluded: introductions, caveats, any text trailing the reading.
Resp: 2:49
